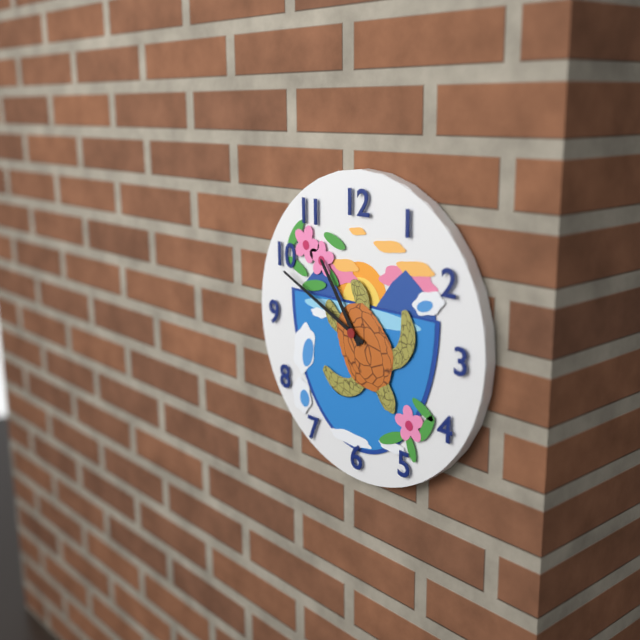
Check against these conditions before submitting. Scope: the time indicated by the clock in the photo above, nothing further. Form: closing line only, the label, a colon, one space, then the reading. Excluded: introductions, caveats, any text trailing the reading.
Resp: 10:49
